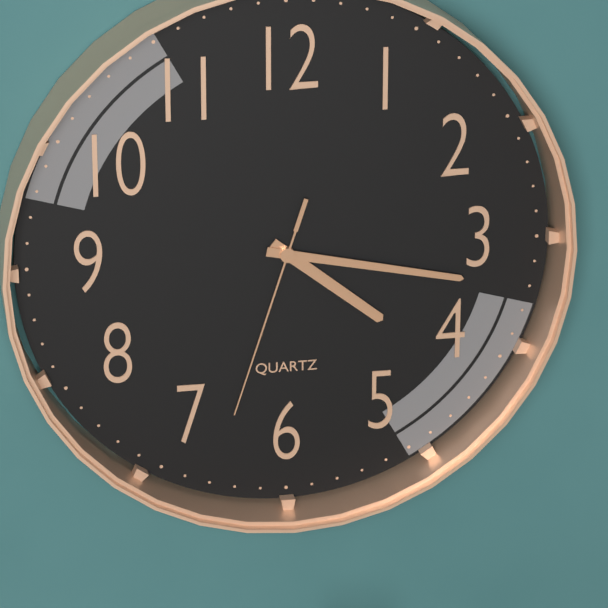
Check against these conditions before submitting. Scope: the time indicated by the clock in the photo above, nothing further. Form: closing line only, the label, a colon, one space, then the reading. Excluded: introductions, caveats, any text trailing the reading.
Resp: 4:17:33
